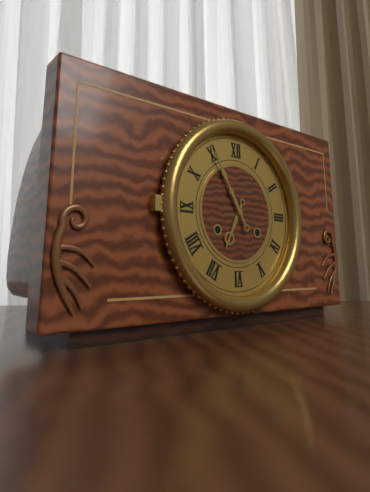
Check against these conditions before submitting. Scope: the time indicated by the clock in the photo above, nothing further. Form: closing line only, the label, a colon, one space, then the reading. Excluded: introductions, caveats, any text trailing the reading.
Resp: 6:55
